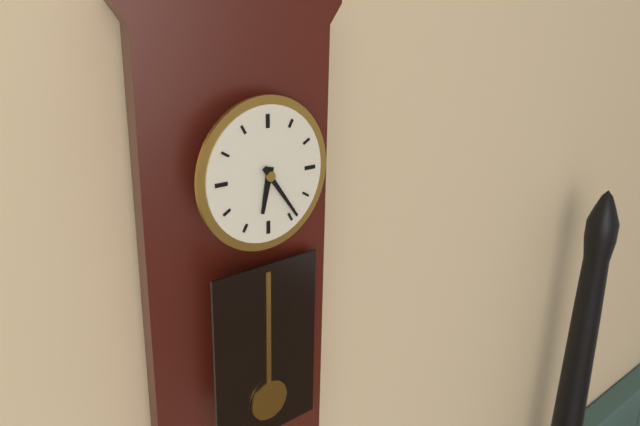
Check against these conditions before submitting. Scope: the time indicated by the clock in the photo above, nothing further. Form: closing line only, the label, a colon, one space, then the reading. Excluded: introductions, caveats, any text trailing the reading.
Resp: 6:24
